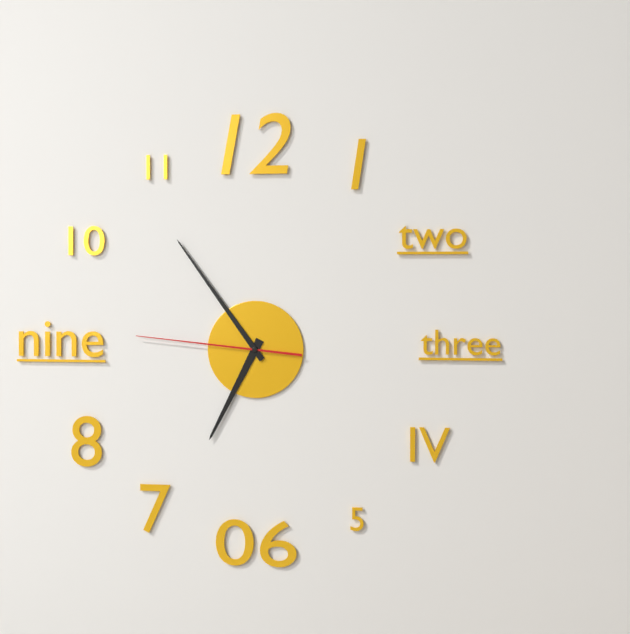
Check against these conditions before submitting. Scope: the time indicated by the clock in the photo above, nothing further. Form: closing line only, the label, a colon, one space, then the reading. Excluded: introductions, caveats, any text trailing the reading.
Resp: 6:54:46
